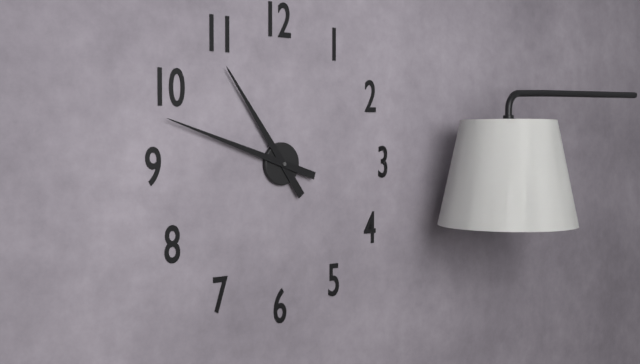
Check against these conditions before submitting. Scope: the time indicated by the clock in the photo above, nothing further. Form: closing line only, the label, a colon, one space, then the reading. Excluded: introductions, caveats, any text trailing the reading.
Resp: 10:48
